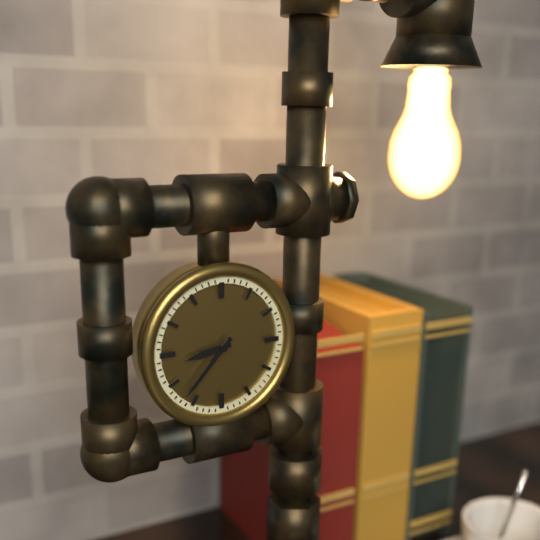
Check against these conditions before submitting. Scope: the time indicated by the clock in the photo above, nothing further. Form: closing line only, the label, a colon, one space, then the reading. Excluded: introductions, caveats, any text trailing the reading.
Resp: 8:37
